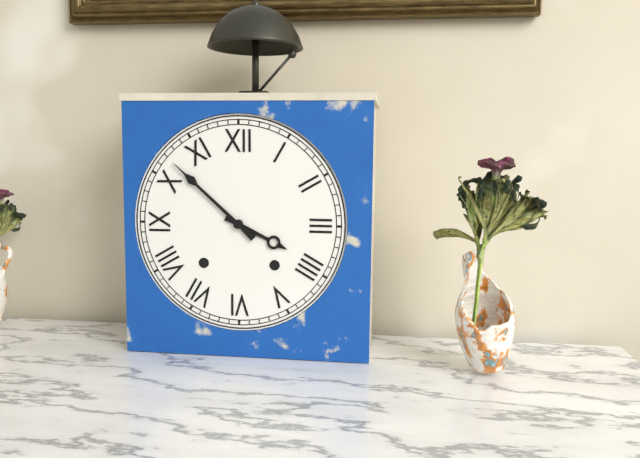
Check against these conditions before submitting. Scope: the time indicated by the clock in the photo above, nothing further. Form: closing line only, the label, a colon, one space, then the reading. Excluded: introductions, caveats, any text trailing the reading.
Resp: 3:52
